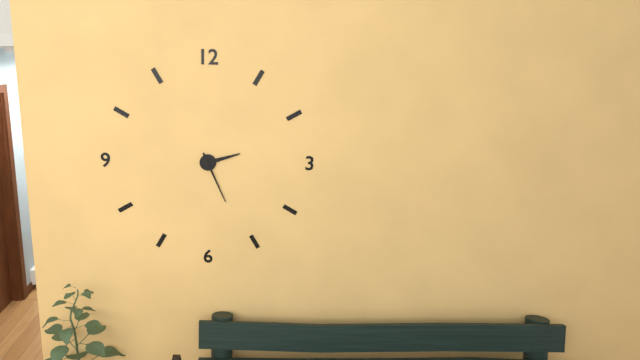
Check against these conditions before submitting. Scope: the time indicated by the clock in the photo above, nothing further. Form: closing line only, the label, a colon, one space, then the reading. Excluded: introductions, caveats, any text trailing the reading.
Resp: 2:26
